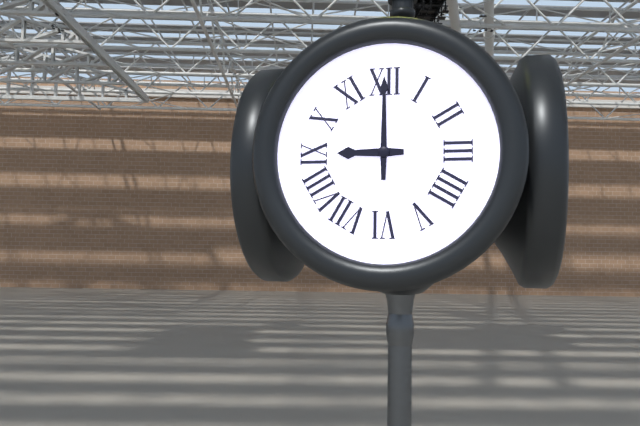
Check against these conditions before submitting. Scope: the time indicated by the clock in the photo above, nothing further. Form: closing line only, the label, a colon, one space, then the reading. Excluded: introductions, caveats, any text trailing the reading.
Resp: 9:00
